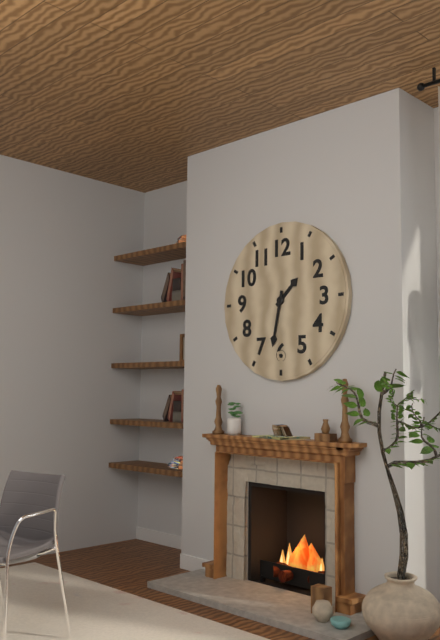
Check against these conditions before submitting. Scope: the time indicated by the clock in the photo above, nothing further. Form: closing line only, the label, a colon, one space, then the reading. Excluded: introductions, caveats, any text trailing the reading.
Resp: 1:32
